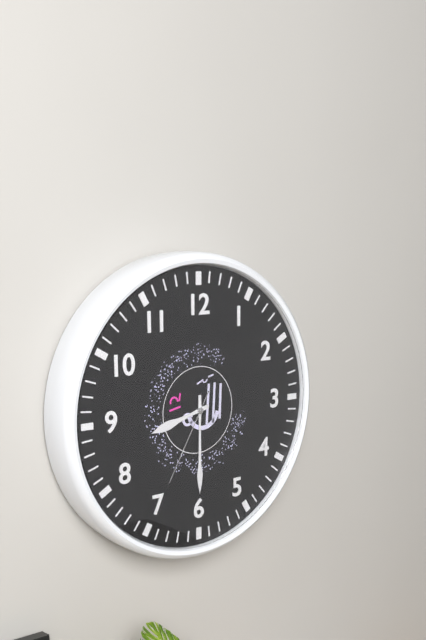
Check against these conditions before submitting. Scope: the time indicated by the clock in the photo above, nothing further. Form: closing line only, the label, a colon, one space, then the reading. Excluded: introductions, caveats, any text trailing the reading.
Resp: 8:30:35
